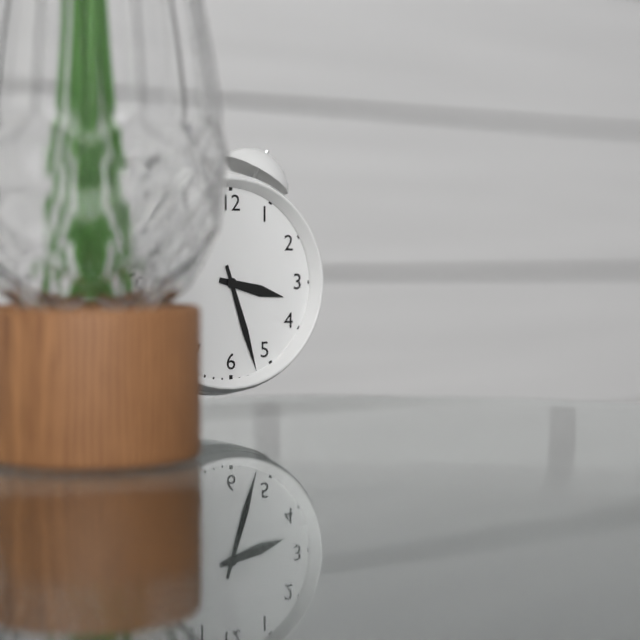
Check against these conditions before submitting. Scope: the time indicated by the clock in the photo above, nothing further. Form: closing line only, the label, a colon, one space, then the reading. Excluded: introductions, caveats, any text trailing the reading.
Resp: 3:27
